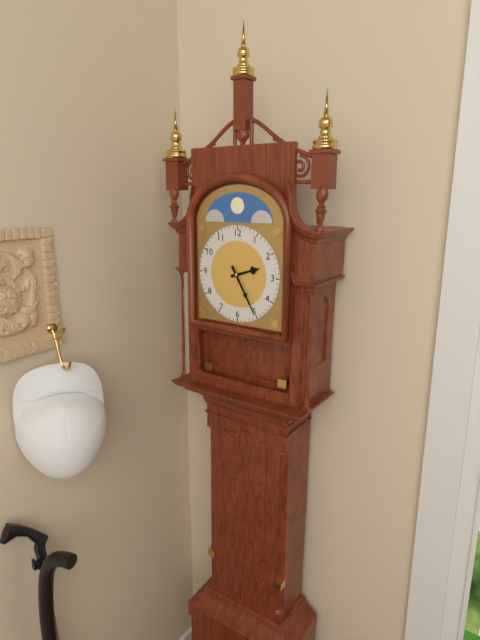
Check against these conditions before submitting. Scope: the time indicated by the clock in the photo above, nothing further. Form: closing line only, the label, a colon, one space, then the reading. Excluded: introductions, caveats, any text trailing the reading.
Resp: 2:25
